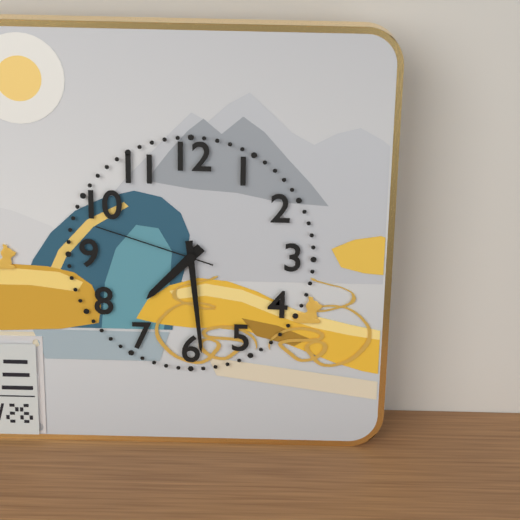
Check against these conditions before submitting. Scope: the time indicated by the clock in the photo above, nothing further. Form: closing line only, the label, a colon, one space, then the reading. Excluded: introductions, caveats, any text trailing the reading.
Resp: 7:29:48
